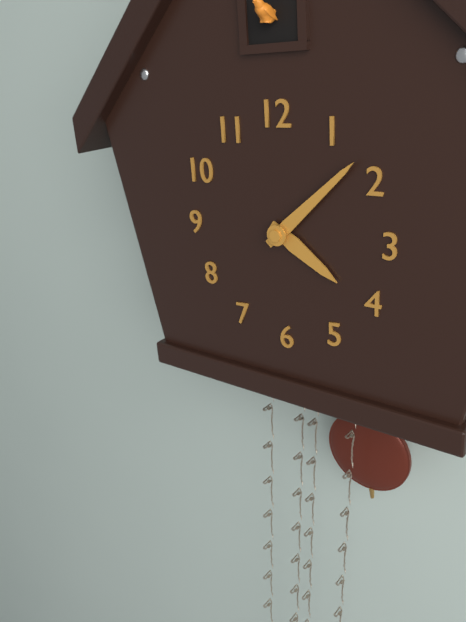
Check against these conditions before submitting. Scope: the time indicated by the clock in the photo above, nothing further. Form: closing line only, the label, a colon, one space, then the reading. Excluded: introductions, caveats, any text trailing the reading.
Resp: 4:08
